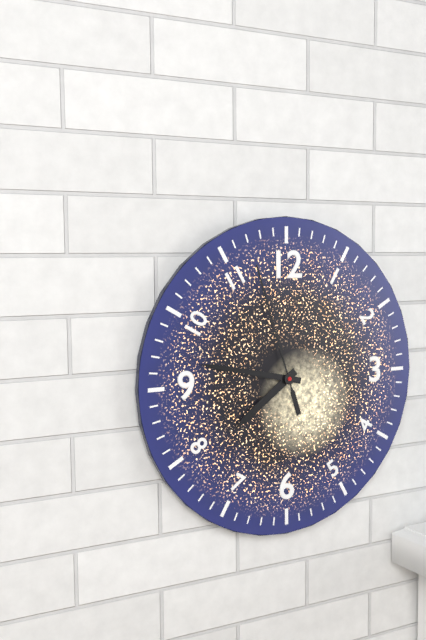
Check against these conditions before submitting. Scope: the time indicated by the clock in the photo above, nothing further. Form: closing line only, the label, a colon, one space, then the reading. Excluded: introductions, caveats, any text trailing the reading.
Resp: 7:47:57
